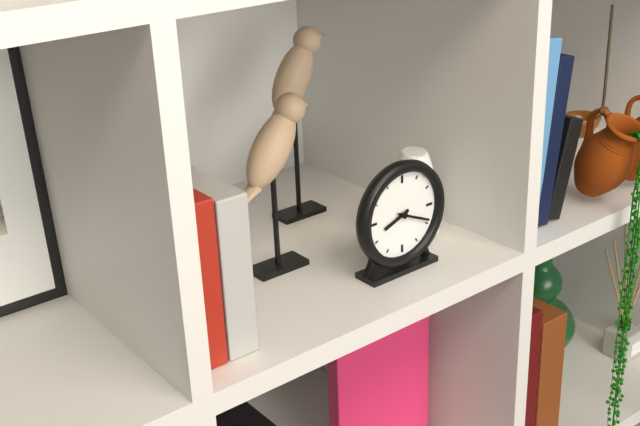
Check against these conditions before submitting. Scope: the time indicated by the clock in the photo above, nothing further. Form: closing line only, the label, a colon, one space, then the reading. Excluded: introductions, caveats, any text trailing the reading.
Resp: 8:19
